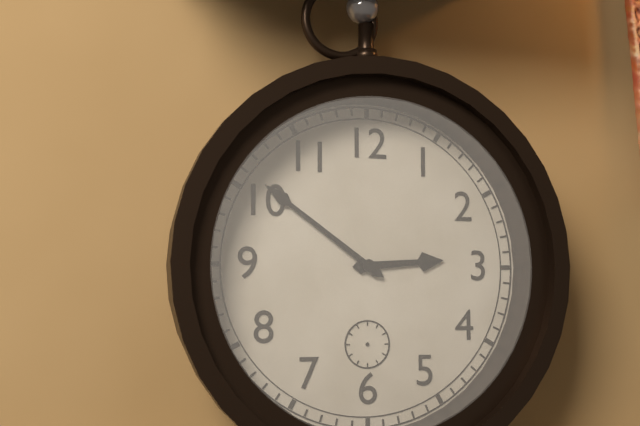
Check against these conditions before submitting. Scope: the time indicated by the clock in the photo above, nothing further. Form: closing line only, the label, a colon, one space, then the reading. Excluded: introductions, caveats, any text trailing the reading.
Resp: 2:51
